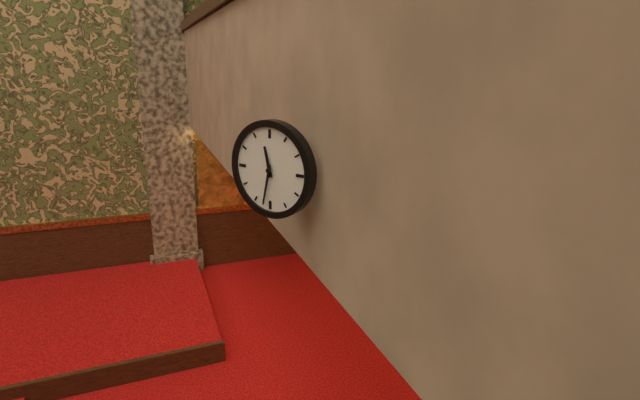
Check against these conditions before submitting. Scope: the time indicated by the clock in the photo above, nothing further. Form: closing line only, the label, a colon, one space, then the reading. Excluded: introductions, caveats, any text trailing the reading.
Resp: 11:32
